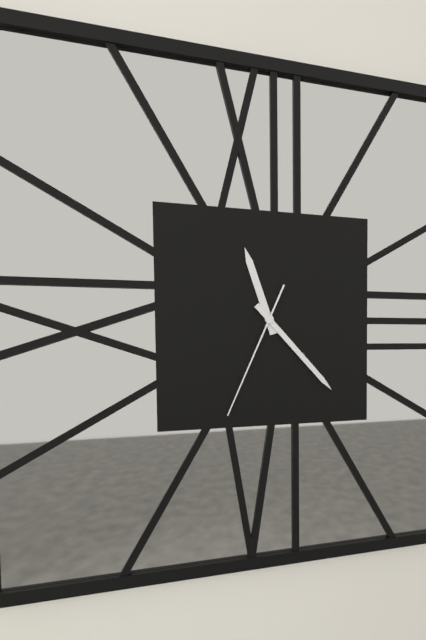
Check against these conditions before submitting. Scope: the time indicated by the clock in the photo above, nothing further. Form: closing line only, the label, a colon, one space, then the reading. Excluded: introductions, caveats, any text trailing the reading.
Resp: 11:23:34
